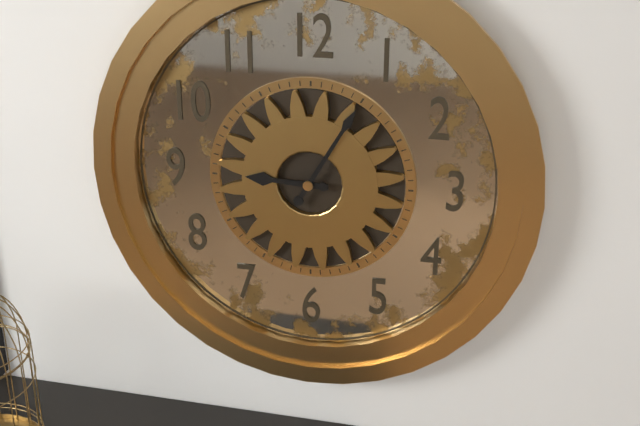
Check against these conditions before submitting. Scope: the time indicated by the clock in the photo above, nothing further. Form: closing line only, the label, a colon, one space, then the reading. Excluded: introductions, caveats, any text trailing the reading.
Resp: 9:05
